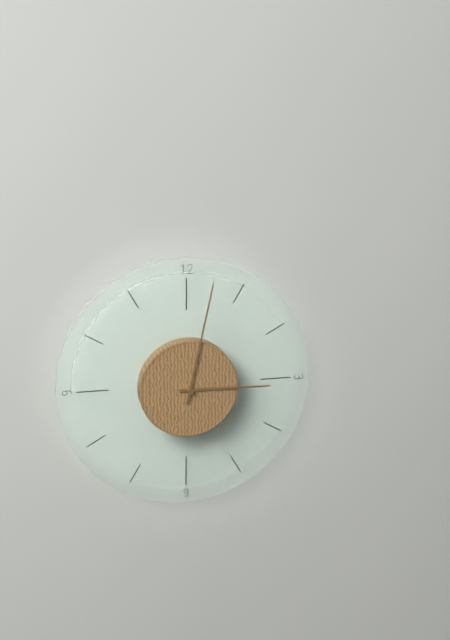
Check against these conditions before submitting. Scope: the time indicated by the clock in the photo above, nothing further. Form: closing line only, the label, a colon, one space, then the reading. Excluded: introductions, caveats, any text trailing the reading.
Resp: 3:02
